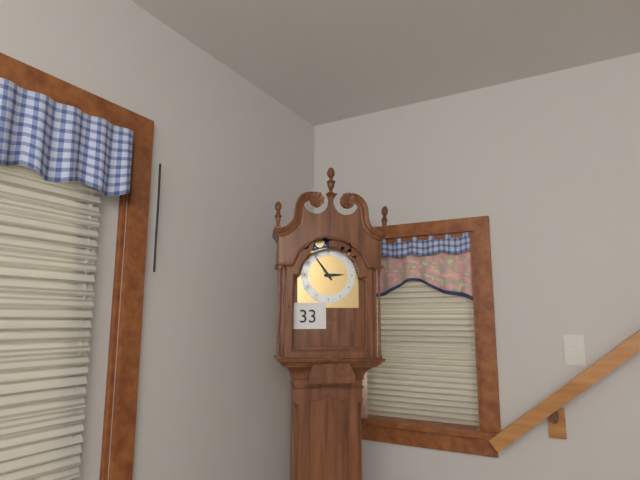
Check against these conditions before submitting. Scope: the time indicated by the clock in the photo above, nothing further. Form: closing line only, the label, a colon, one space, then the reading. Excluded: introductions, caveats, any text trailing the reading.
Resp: 2:54
